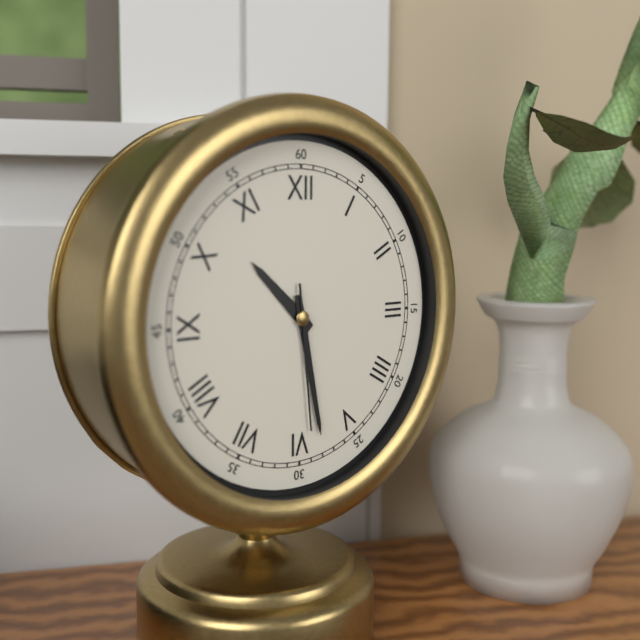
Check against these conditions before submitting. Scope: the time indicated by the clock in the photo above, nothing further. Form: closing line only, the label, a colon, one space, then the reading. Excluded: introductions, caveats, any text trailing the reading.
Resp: 10:28:29
